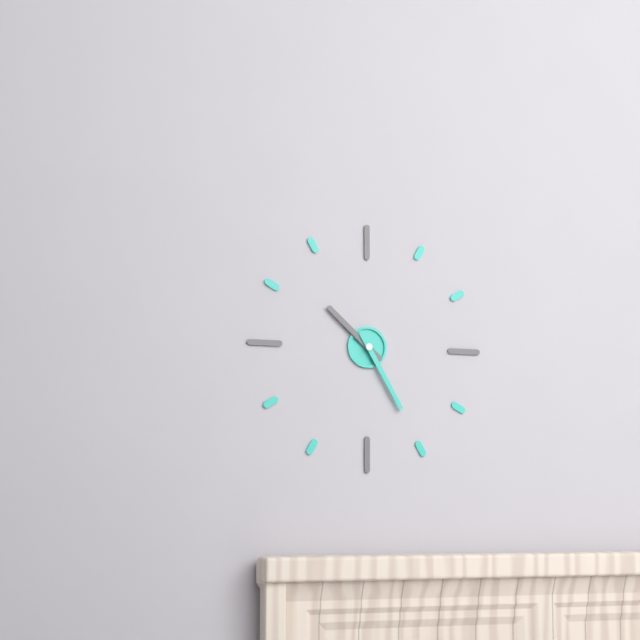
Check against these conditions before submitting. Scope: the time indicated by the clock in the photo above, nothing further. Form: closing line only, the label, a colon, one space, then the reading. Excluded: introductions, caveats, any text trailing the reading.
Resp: 10:25
